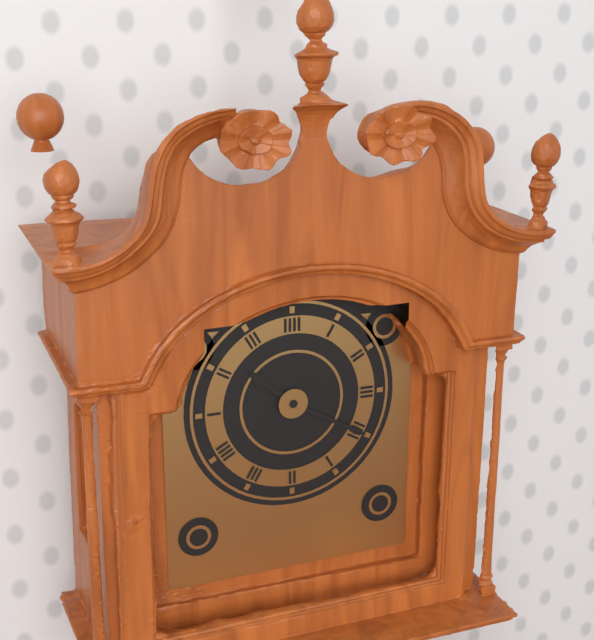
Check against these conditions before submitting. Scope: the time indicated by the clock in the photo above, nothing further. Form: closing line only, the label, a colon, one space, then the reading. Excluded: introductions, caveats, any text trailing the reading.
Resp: 10:20
